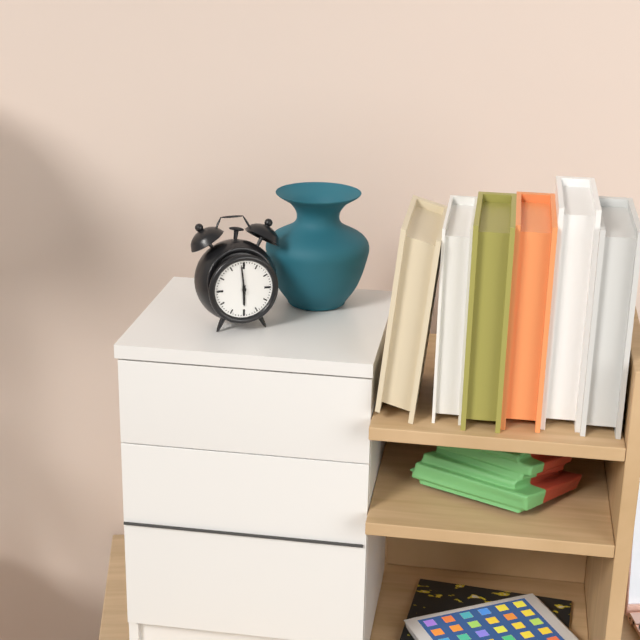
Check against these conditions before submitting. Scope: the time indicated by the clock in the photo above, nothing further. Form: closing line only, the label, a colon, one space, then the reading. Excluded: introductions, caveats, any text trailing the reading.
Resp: 5:59
